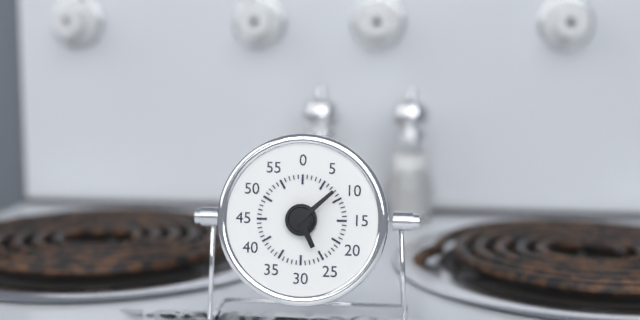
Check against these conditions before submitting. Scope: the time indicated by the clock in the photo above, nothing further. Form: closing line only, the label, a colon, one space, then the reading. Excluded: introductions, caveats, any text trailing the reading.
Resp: 5:08
